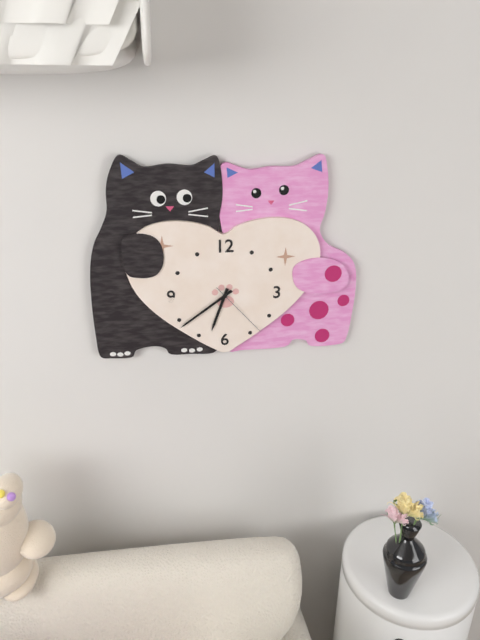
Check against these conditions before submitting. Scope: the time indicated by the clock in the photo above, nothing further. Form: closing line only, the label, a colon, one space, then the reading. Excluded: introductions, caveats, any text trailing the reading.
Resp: 6:39:23
